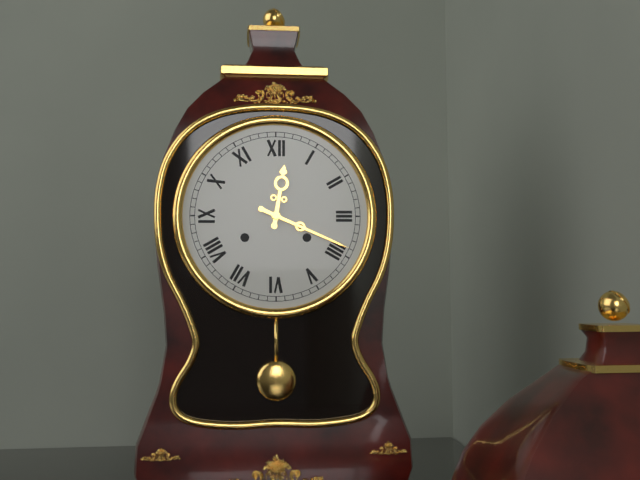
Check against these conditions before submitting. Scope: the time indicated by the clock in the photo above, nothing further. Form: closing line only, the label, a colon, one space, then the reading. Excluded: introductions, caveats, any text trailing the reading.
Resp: 12:19
